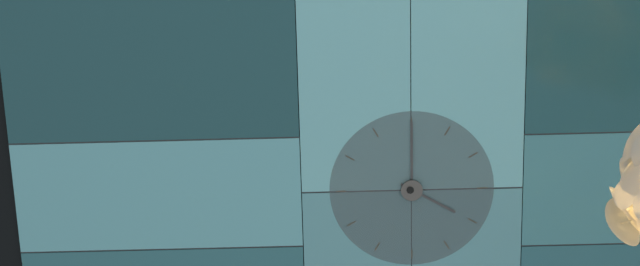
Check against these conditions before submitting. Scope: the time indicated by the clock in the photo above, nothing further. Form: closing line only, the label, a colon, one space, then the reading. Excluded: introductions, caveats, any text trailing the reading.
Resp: 4:00
